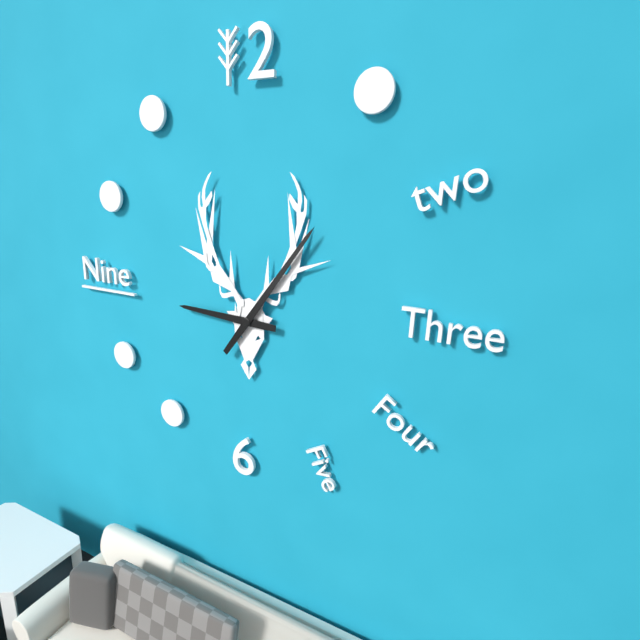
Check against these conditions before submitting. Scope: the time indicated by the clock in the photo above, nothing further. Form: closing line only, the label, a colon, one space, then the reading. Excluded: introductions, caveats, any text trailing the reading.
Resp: 9:06
